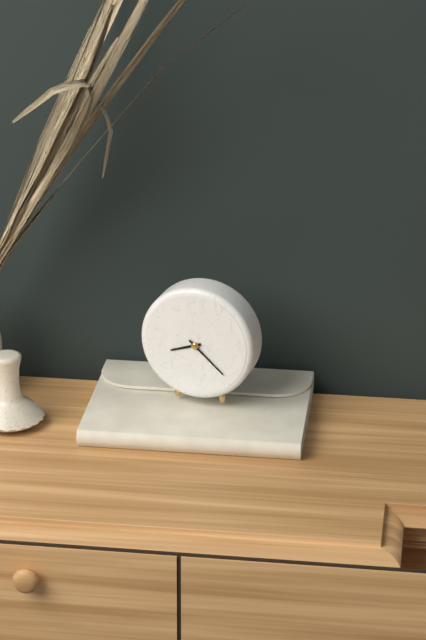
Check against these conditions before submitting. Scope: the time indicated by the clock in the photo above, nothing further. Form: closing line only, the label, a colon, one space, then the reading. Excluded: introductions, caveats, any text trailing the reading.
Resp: 8:22
